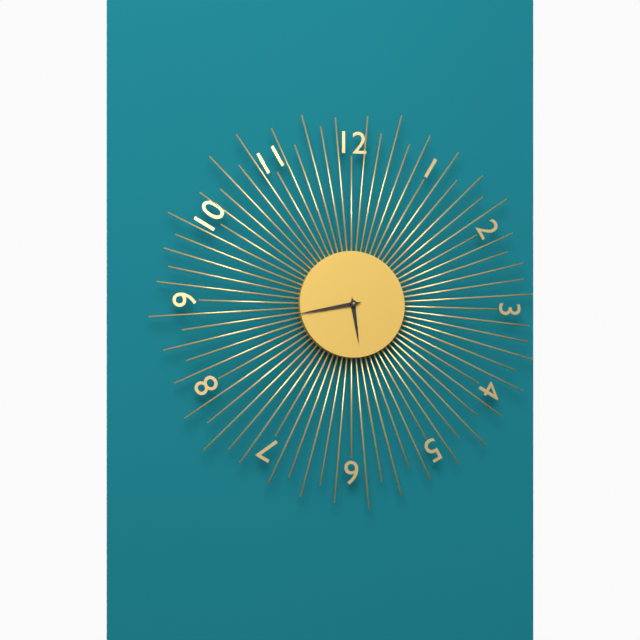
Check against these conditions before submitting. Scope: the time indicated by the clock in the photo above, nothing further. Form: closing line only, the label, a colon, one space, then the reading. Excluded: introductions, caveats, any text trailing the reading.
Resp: 5:43
